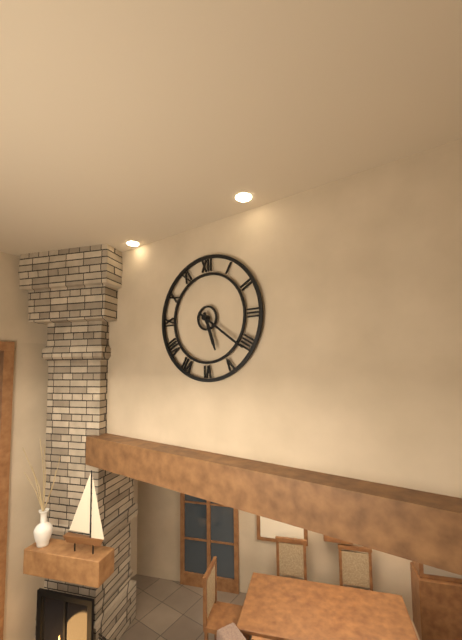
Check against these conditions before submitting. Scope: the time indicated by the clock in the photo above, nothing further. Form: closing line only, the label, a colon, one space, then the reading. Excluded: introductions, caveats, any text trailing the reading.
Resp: 5:21
